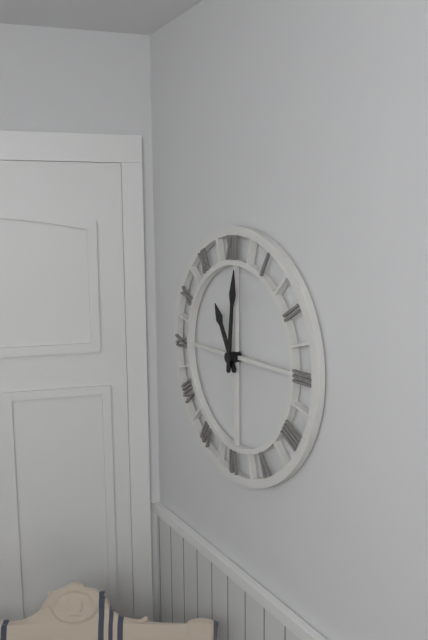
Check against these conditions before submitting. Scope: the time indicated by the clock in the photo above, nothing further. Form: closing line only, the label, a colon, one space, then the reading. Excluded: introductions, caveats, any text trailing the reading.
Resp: 11:01
